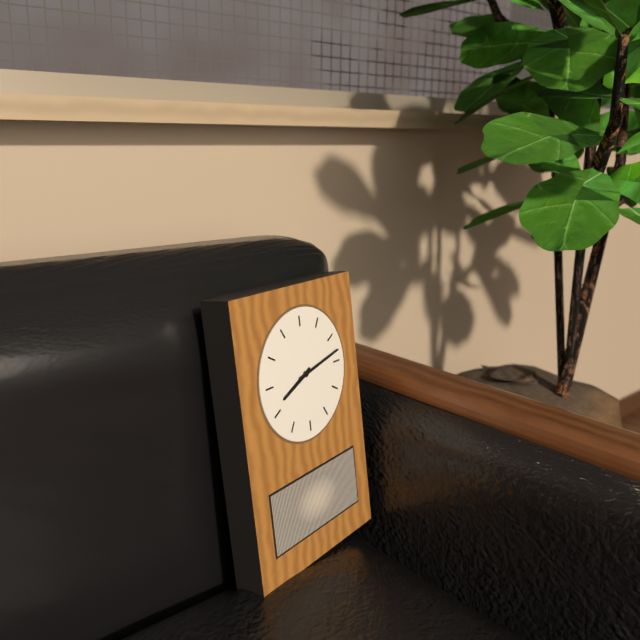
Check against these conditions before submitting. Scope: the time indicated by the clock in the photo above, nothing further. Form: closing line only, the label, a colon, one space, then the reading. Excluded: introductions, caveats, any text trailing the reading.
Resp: 8:13
